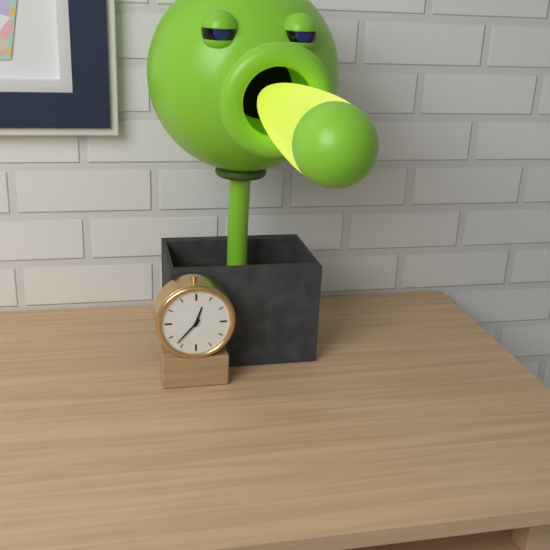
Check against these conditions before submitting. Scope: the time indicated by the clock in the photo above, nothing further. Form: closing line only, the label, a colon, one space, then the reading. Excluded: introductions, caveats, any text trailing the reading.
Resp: 12:37
